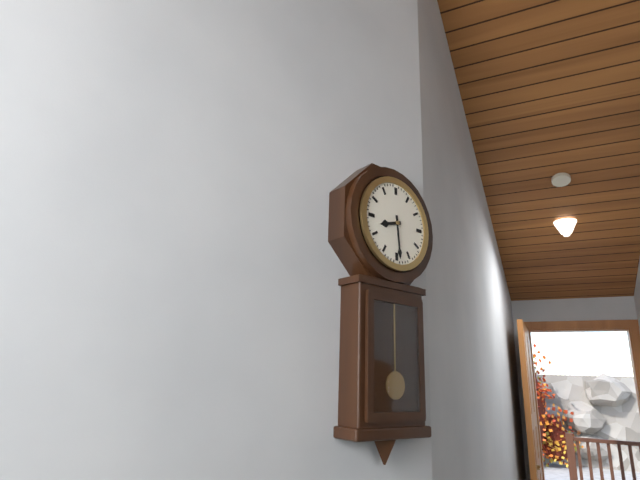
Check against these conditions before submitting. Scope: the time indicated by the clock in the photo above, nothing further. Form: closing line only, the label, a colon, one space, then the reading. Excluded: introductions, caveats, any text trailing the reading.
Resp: 8:29
